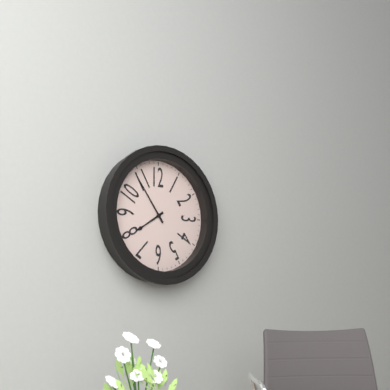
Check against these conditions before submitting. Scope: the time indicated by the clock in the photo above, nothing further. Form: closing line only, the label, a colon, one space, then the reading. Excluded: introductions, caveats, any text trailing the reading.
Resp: 7:54
